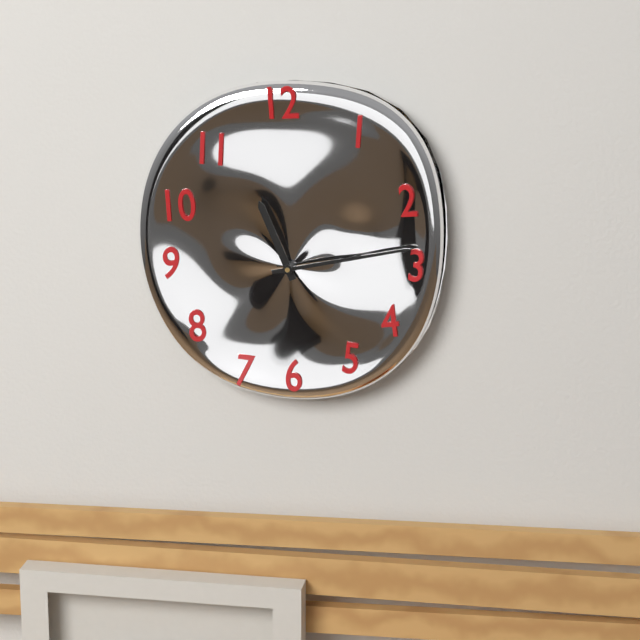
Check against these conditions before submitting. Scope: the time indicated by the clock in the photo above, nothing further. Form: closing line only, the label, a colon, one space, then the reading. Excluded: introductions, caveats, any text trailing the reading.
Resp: 11:13
